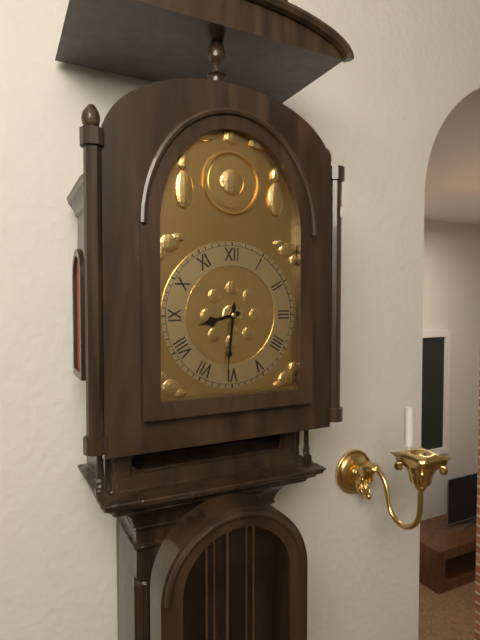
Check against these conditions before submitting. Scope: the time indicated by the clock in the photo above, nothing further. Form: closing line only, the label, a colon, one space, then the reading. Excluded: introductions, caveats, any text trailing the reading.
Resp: 8:31
